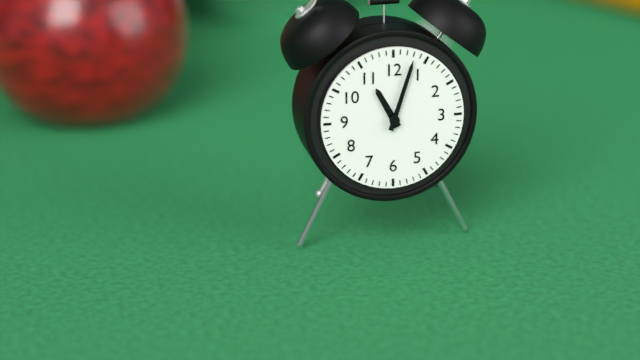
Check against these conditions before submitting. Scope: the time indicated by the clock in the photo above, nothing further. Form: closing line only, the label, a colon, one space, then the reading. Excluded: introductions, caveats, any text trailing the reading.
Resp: 11:03
